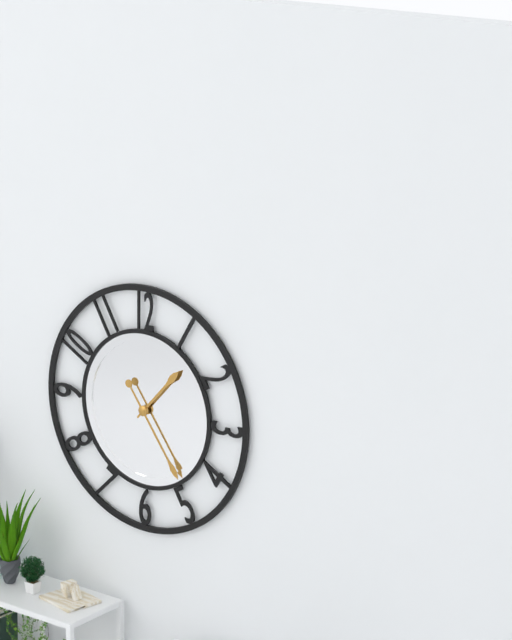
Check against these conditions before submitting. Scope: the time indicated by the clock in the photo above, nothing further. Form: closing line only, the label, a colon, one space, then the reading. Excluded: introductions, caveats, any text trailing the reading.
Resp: 1:24
